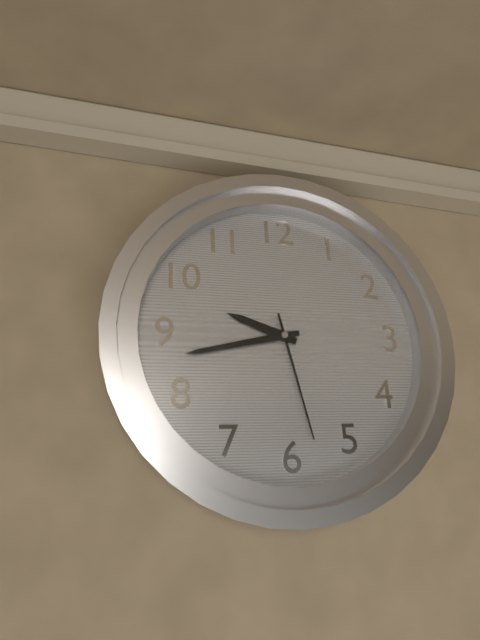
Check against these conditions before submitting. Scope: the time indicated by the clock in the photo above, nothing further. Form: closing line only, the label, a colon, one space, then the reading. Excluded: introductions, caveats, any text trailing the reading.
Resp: 9:43:28
